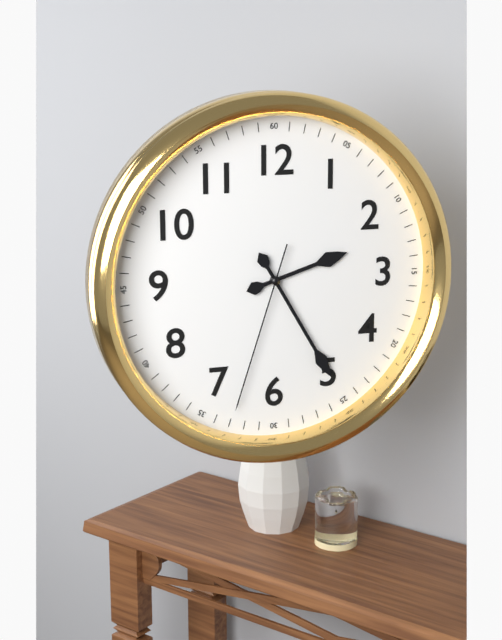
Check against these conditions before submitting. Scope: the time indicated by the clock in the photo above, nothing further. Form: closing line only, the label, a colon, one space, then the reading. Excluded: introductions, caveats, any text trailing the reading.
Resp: 2:25:33
